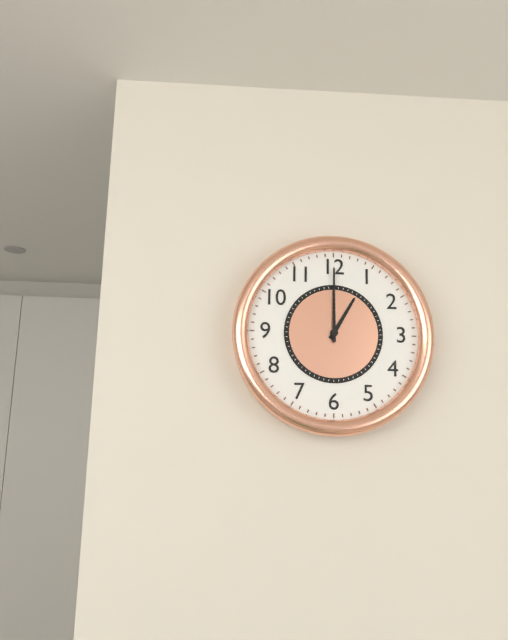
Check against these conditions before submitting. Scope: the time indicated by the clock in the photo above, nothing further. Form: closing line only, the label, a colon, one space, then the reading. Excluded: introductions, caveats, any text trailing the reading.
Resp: 1:00
